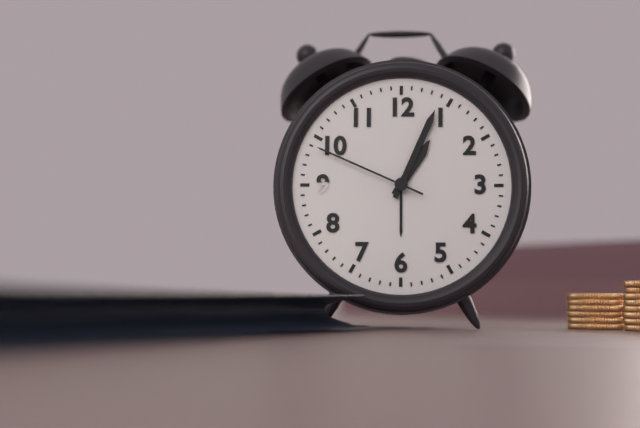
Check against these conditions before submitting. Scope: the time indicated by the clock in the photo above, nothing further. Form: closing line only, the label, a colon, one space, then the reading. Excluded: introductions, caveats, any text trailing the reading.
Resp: 1:04:49
